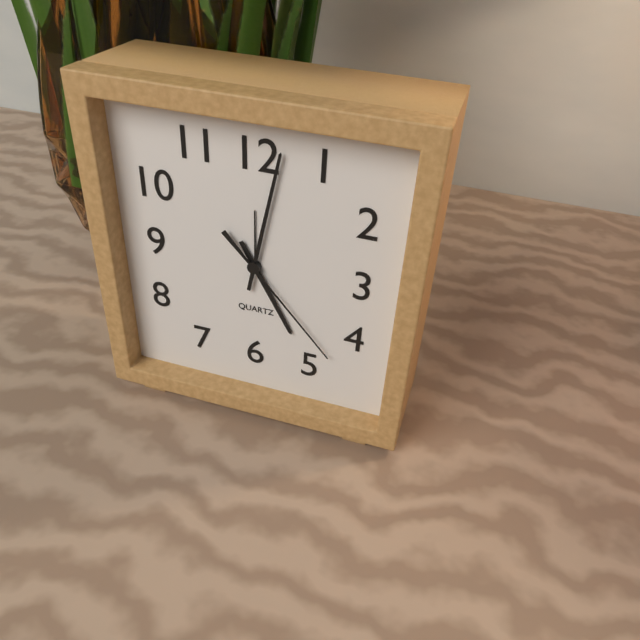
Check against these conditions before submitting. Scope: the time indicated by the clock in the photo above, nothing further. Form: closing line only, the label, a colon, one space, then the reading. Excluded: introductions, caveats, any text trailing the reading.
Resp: 5:02:23
